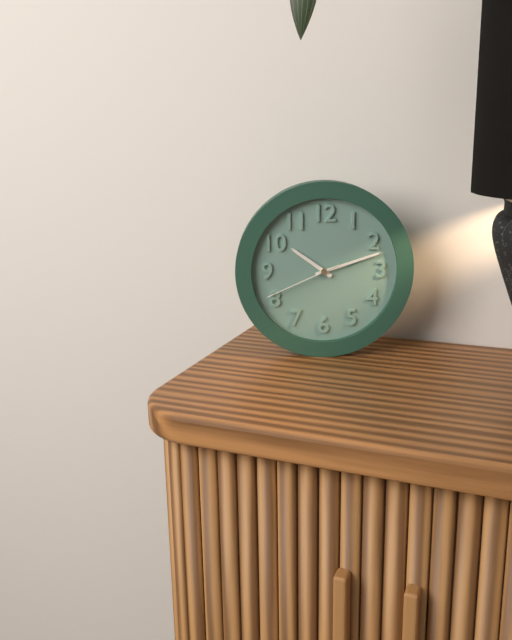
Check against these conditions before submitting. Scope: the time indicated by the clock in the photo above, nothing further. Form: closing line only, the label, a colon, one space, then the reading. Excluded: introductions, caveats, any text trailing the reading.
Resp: 10:12:41
